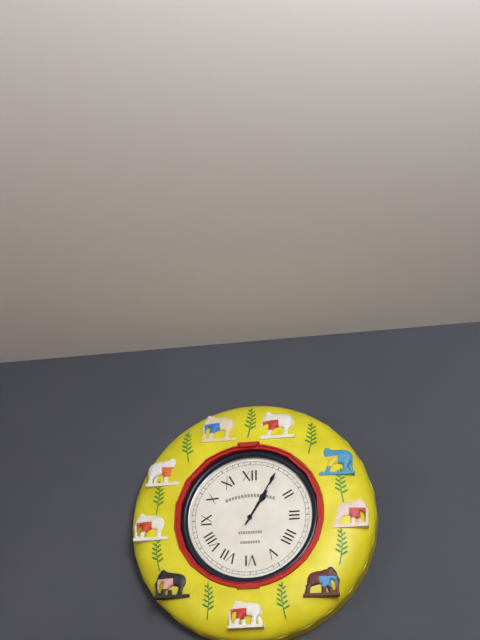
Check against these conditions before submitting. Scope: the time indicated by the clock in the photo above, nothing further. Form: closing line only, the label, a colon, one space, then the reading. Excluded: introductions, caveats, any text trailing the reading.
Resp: 1:05
